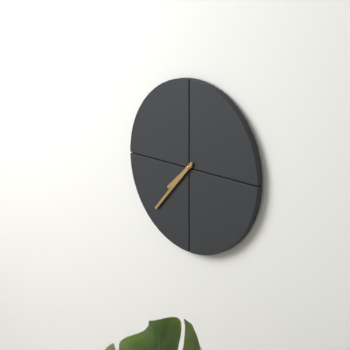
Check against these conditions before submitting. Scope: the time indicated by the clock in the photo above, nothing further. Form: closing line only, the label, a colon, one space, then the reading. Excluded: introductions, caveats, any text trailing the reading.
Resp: 7:37
